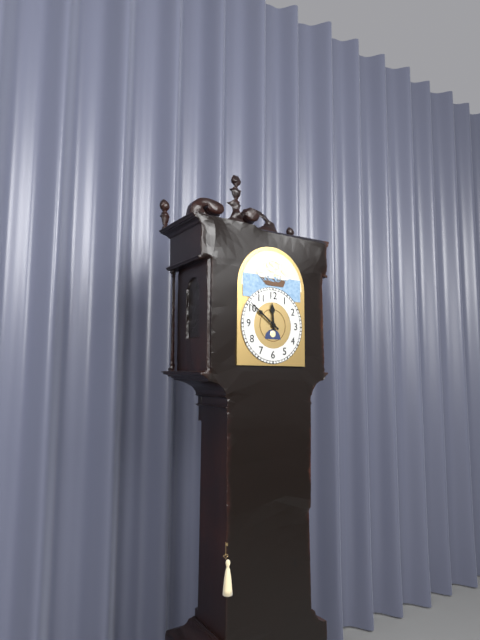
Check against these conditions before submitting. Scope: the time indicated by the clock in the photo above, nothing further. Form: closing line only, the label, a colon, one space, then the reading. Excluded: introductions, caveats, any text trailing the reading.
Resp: 11:51
